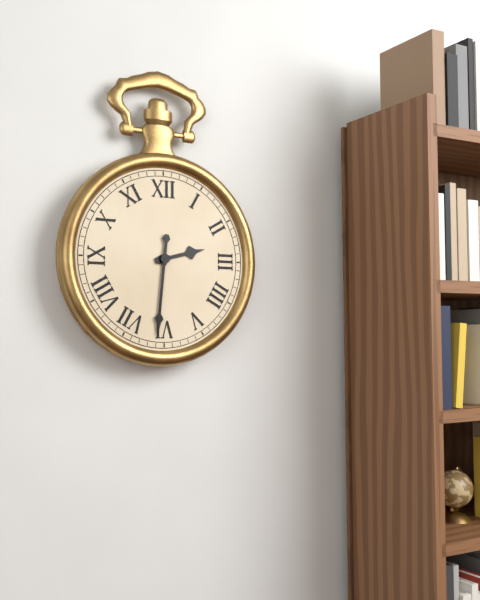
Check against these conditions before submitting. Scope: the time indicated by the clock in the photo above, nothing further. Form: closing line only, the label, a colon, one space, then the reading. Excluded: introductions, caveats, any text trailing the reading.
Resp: 2:31
